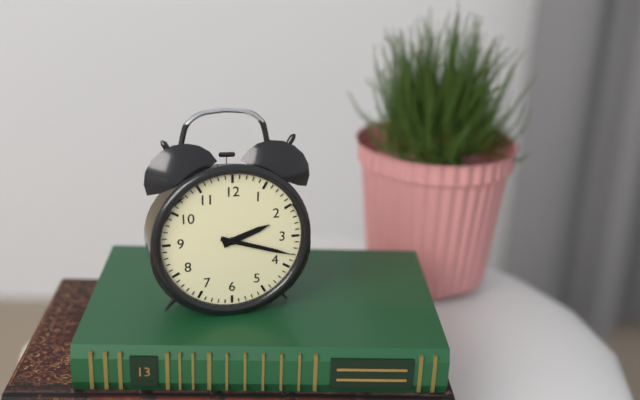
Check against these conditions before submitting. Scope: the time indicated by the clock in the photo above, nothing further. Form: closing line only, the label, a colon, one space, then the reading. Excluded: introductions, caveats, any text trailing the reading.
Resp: 2:18
